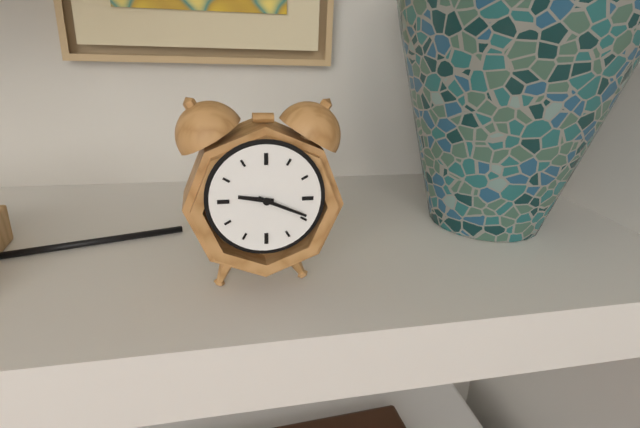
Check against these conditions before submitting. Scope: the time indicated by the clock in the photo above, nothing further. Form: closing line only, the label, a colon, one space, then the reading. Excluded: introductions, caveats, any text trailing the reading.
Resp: 9:19
